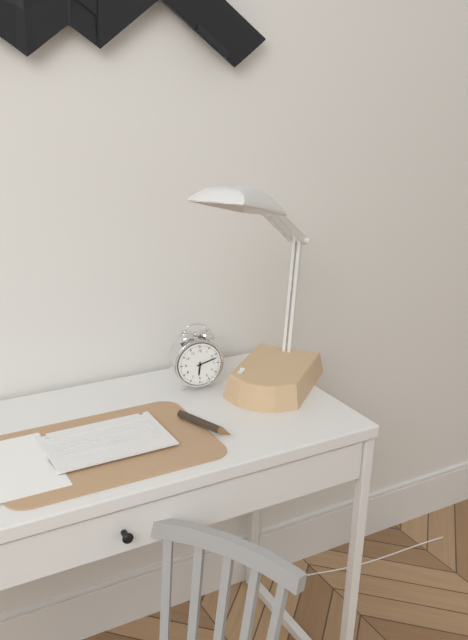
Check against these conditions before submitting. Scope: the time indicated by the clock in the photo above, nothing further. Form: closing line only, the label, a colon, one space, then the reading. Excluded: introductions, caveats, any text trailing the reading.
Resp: 6:12
